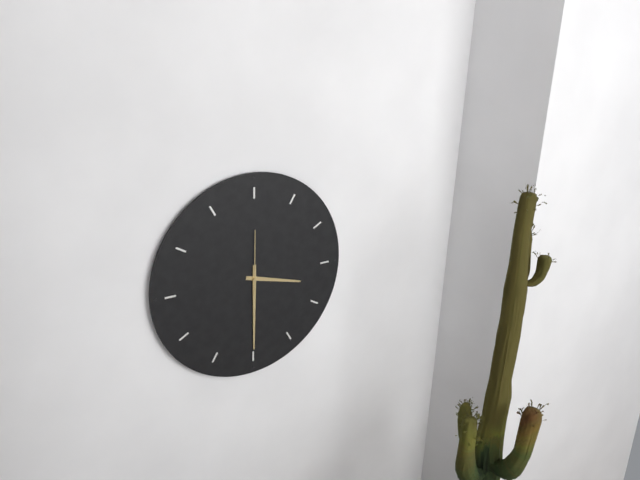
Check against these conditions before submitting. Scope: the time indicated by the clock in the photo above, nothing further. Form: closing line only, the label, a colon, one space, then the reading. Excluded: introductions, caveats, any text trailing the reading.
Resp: 3:30:00
